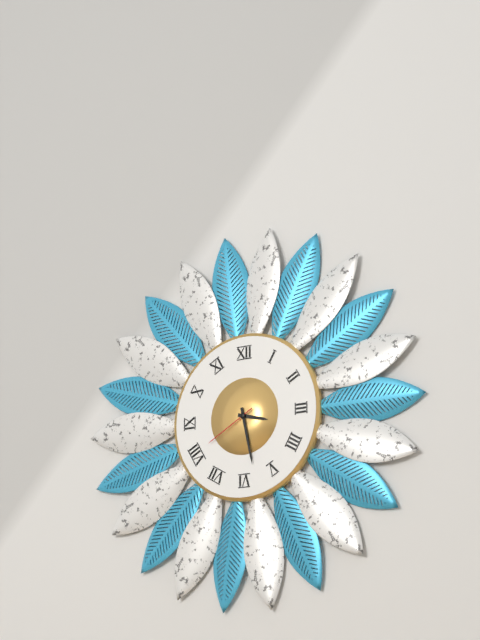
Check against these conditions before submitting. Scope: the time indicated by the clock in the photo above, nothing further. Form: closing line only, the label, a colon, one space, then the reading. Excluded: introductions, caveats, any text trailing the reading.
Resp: 3:28:40
